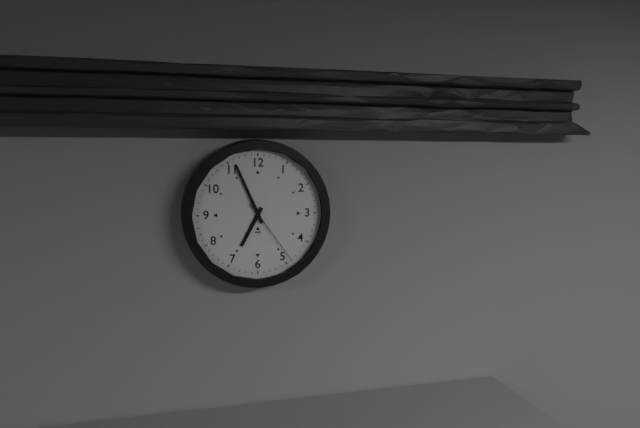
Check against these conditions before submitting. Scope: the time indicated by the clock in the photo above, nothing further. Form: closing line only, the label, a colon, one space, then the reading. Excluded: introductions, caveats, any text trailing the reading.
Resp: 6:56:24
